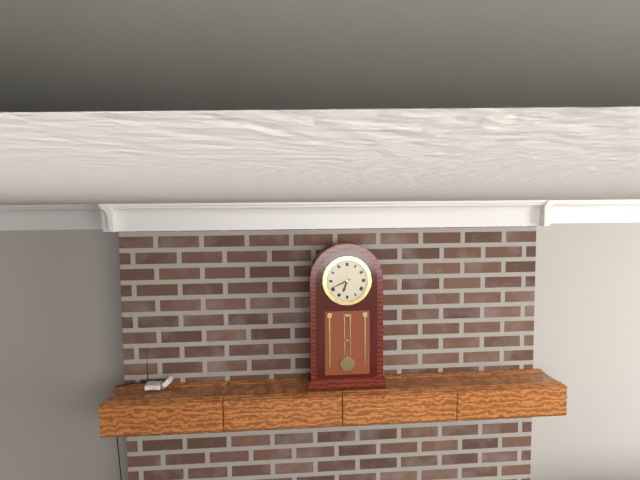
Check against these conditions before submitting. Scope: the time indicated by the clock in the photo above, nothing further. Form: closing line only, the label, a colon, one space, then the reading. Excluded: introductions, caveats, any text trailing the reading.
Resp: 6:41
